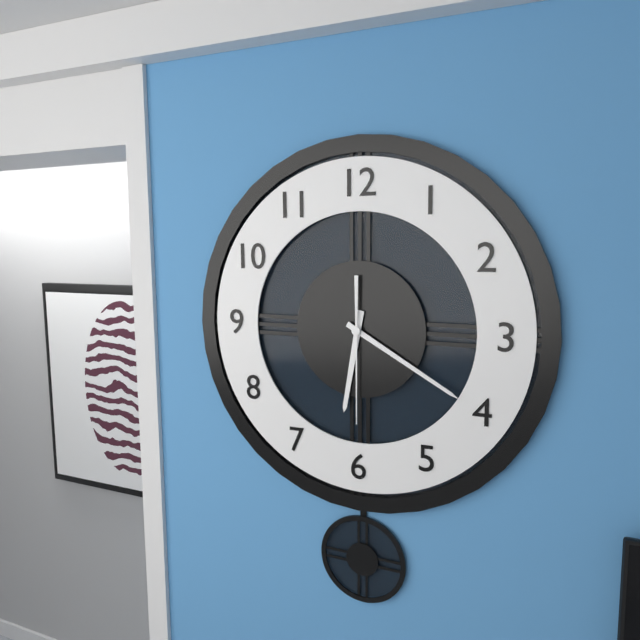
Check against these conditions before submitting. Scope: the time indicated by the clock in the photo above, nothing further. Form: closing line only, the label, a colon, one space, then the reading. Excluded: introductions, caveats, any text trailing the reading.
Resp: 6:20:30
